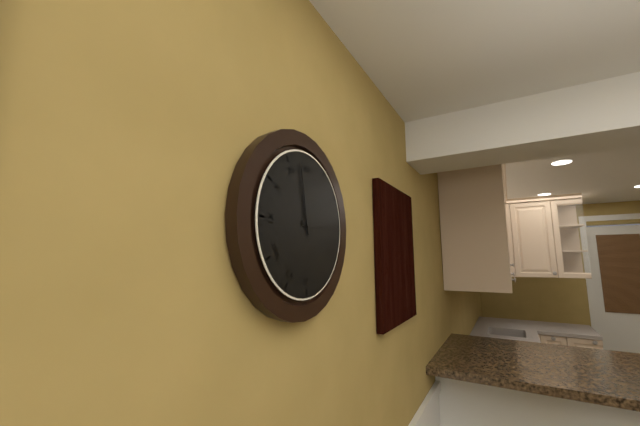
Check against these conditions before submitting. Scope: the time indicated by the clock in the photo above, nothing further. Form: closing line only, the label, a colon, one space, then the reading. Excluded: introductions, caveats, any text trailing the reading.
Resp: 2:58
